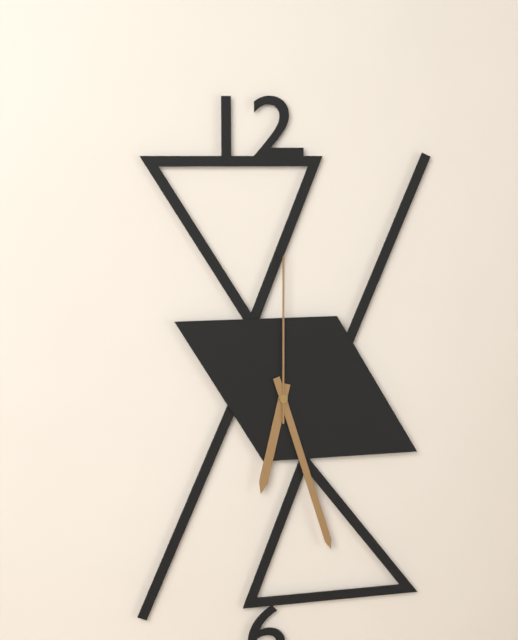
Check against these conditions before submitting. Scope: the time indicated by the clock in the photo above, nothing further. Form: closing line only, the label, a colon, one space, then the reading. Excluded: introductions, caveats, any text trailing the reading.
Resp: 6:27:00
